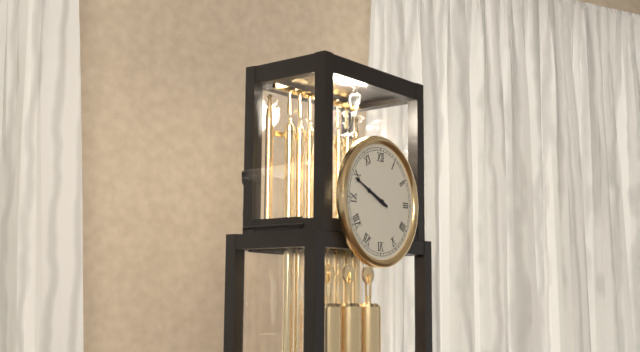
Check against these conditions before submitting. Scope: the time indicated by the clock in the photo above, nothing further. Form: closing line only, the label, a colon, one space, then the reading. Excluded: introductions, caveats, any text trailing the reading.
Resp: 9:49
